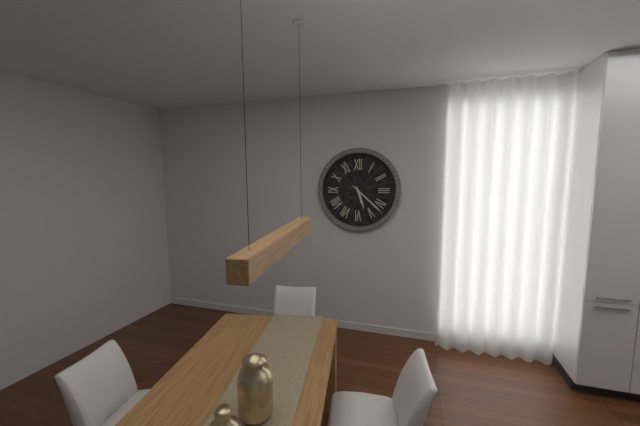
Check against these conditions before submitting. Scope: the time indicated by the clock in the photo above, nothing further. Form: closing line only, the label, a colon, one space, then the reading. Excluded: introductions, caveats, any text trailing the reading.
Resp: 5:22
